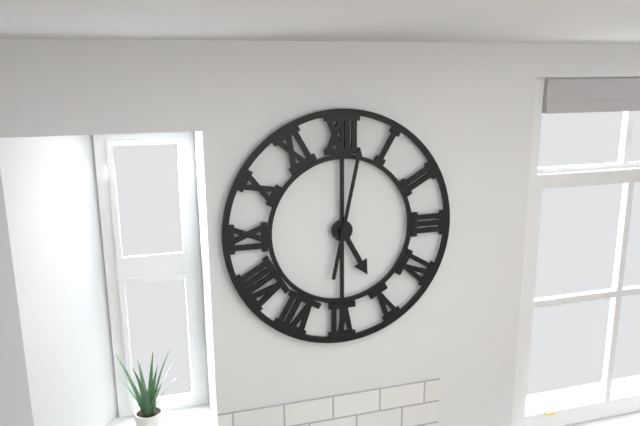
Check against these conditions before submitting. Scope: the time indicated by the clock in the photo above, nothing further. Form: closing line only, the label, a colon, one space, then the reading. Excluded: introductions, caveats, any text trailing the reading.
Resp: 5:02
